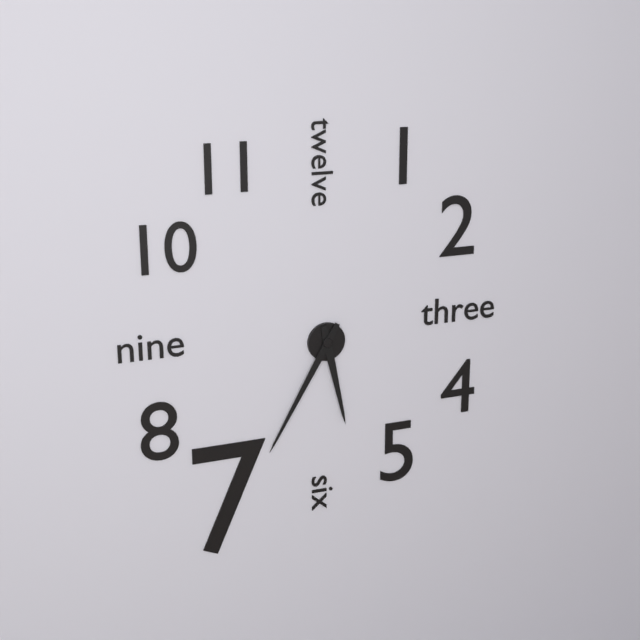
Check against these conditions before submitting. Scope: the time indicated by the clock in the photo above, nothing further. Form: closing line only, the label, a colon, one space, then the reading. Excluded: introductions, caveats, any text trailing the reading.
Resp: 5:35
